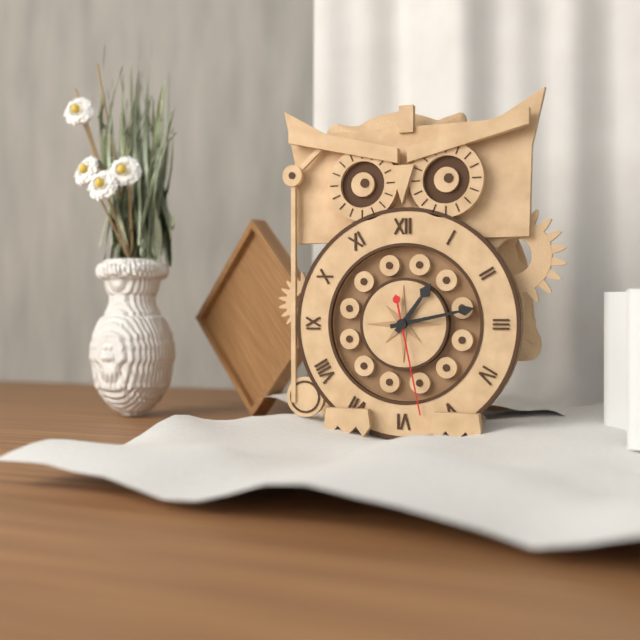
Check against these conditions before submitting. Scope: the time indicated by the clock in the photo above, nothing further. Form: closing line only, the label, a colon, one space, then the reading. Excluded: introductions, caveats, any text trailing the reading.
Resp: 1:13:28
